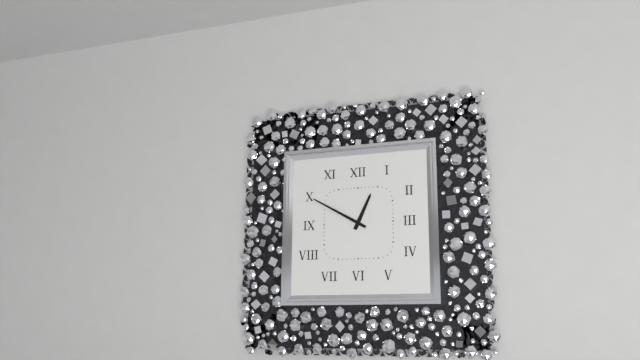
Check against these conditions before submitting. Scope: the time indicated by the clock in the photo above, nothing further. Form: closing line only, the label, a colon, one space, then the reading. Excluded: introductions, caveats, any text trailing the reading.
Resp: 12:50
